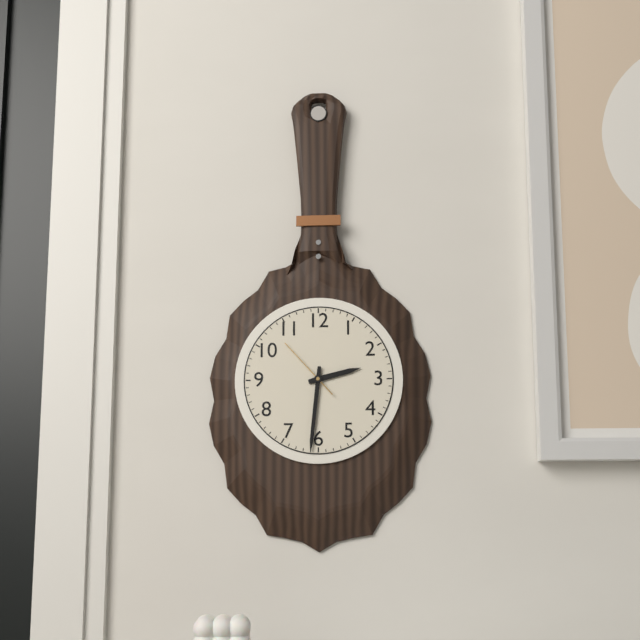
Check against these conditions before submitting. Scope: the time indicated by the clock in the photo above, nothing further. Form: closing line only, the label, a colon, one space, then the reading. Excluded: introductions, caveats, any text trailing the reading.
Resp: 2:31:53
